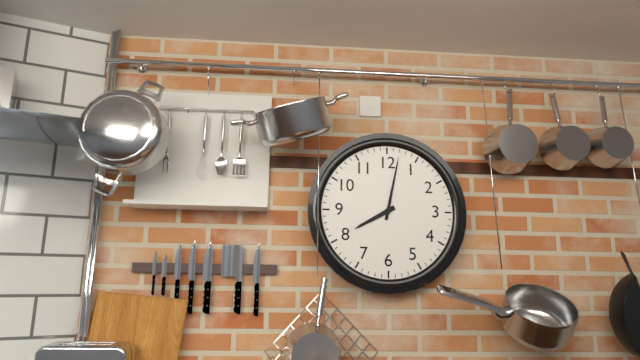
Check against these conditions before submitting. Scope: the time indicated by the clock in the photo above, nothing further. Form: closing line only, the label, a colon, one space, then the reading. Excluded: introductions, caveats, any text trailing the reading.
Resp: 8:02
